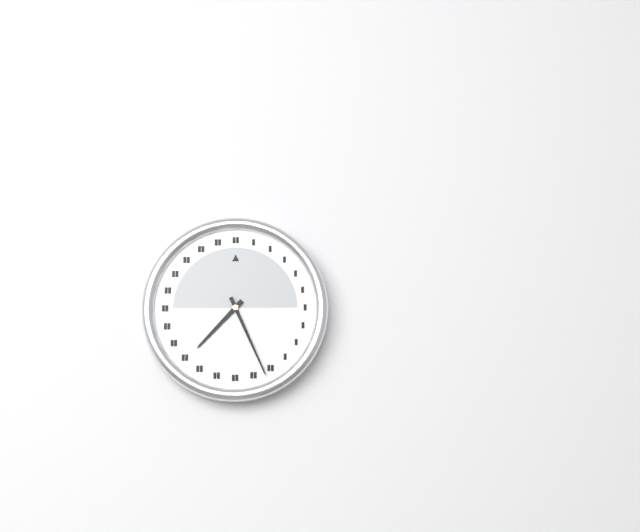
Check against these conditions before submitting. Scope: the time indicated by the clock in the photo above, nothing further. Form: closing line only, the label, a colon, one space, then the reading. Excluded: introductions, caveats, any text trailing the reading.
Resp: 7:26
